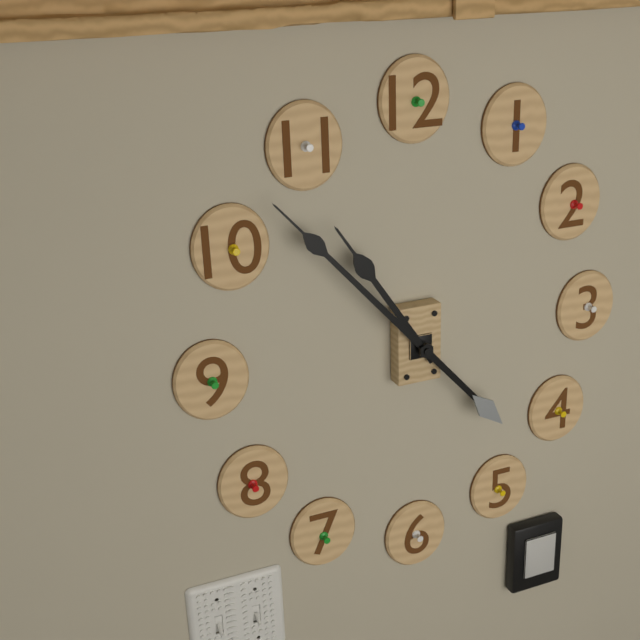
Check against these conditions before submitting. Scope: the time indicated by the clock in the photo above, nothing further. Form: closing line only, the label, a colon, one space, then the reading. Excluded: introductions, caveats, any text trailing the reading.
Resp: 10:53
